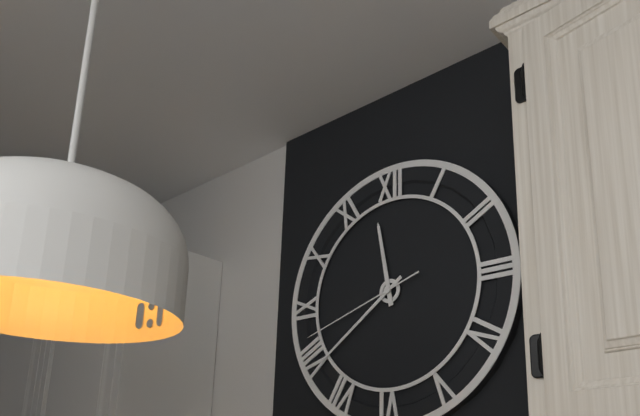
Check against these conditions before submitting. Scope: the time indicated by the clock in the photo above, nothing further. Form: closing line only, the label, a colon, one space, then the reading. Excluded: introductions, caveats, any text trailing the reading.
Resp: 11:39:42
